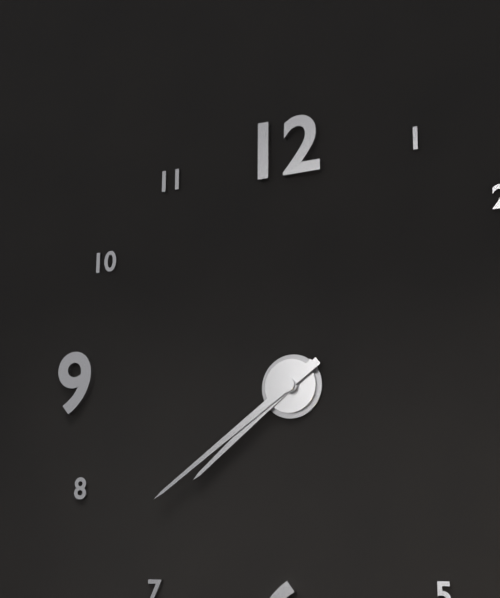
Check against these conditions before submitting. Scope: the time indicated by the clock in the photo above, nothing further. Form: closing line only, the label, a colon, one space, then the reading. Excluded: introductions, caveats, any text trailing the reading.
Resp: 7:39
